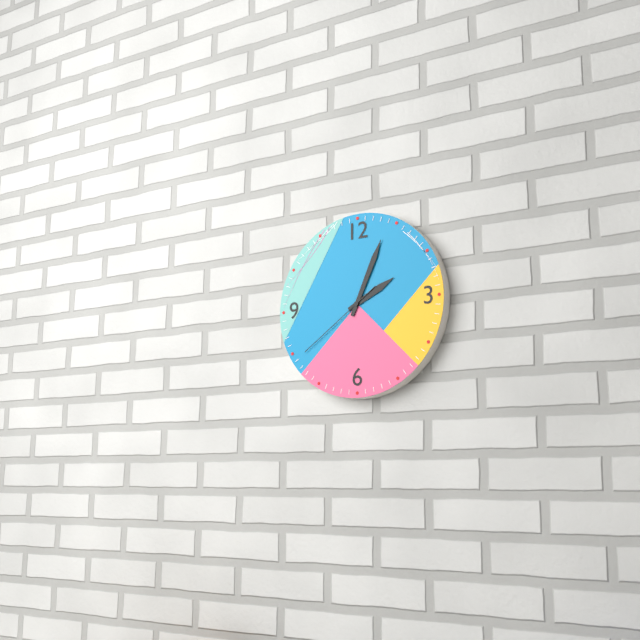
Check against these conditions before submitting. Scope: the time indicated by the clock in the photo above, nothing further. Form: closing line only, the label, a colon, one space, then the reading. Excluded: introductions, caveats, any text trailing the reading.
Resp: 2:04:39
